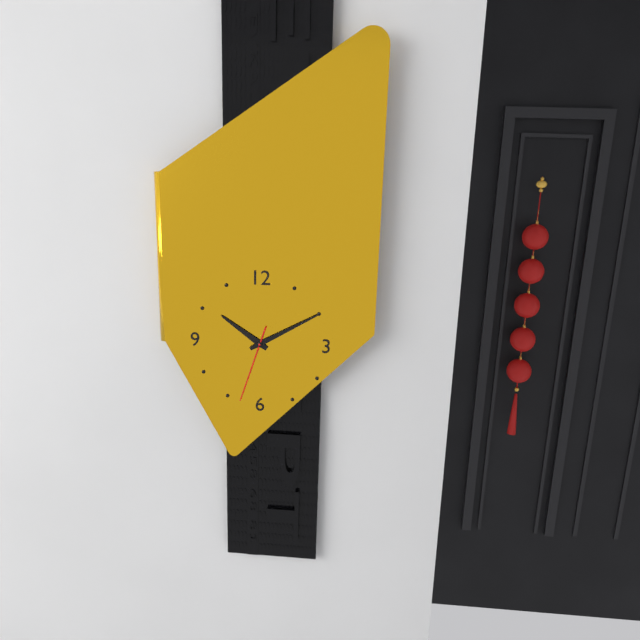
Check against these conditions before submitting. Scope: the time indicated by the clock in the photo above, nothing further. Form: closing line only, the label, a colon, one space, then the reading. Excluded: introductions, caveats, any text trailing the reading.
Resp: 10:10:33
